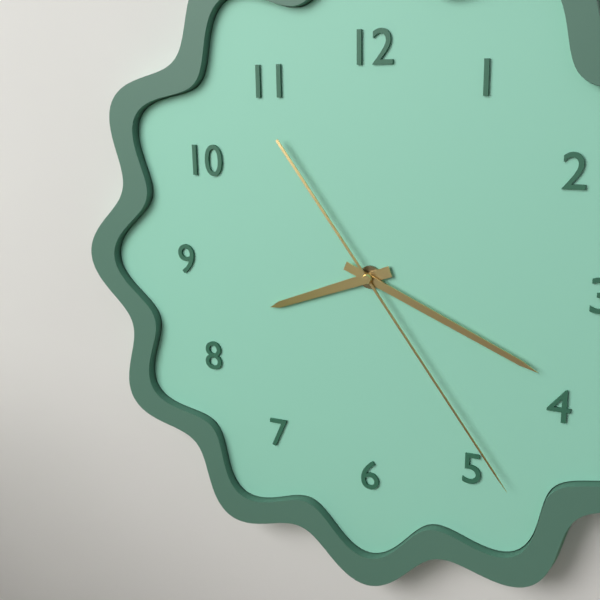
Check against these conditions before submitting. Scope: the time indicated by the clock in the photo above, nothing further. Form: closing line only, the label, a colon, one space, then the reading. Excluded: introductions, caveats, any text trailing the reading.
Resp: 8:19:24
